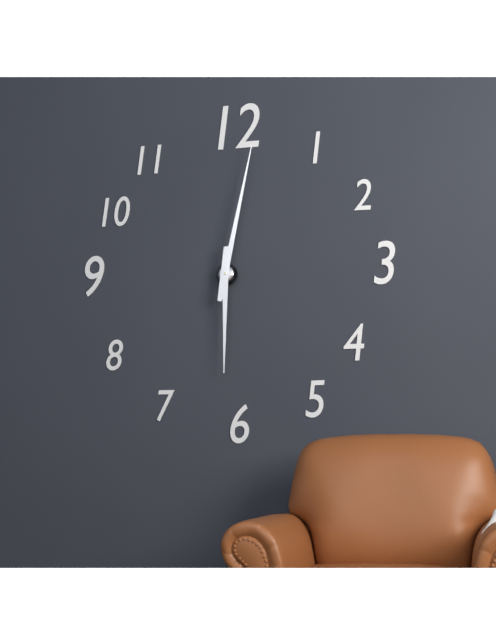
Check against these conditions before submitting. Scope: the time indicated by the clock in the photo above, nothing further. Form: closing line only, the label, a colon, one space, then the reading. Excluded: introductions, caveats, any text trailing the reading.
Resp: 6:02
